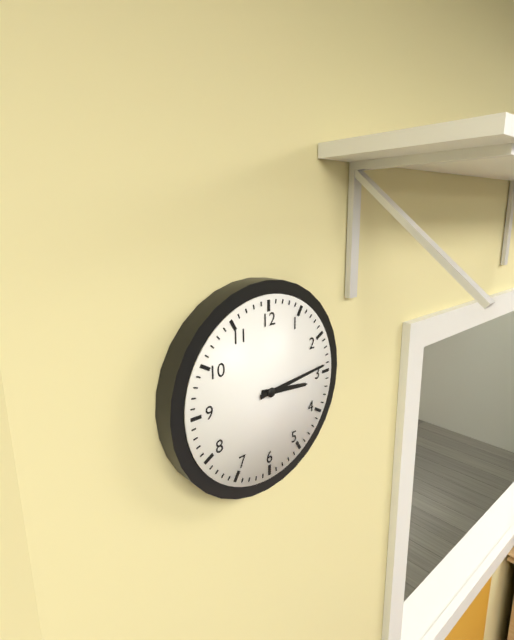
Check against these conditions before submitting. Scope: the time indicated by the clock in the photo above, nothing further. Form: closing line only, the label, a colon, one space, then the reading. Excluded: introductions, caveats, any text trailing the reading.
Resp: 3:14
